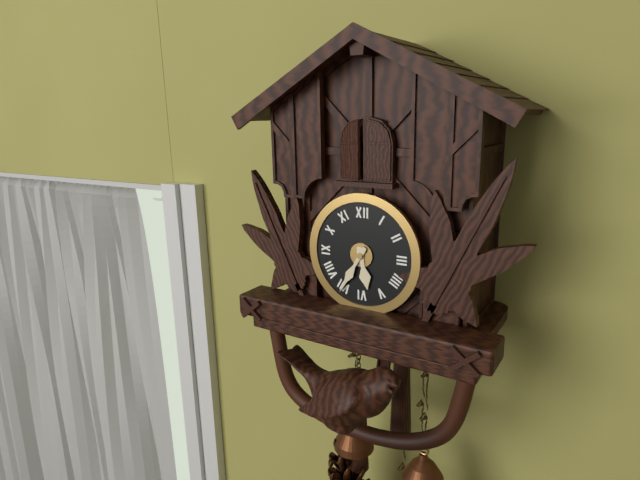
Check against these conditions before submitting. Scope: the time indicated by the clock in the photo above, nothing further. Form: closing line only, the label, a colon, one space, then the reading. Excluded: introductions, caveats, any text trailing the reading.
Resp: 5:35
